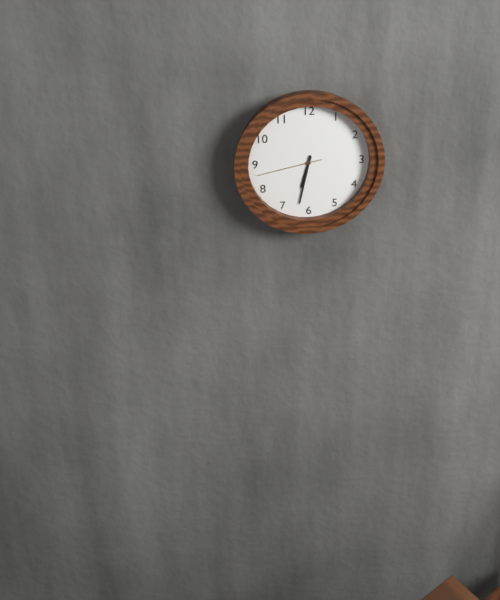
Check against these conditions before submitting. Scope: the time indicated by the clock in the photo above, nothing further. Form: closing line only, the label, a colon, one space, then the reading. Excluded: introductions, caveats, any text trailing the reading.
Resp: 6:32:43
